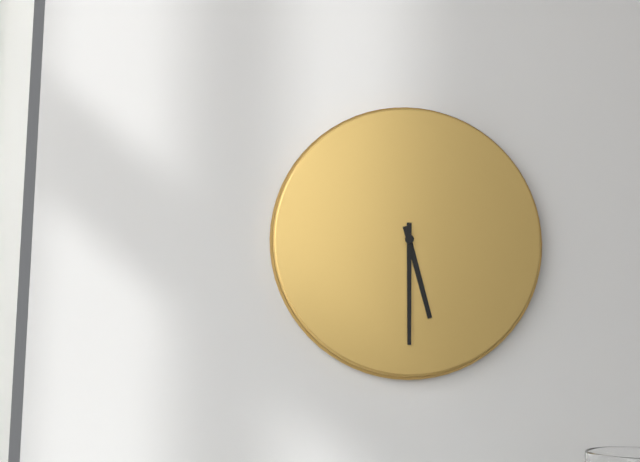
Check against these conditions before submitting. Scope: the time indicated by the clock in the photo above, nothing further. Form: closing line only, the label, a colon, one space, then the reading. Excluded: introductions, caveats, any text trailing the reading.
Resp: 5:30
